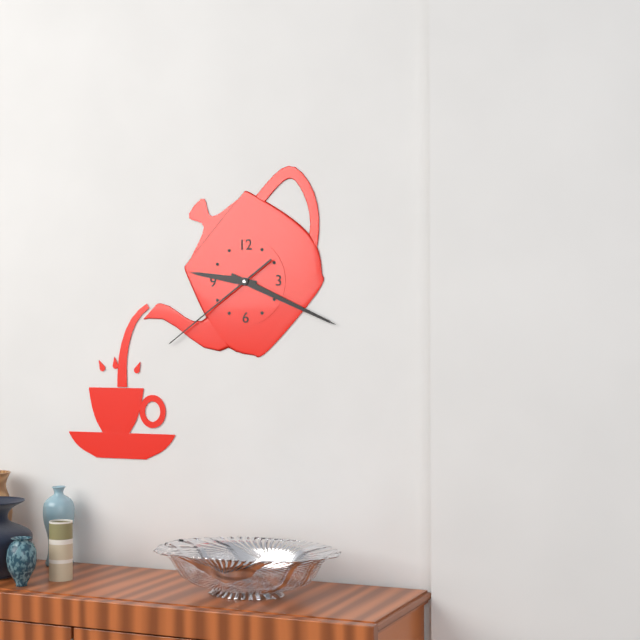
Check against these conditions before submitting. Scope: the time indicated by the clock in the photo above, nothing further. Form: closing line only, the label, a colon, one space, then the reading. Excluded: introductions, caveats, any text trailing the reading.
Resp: 9:19:39
